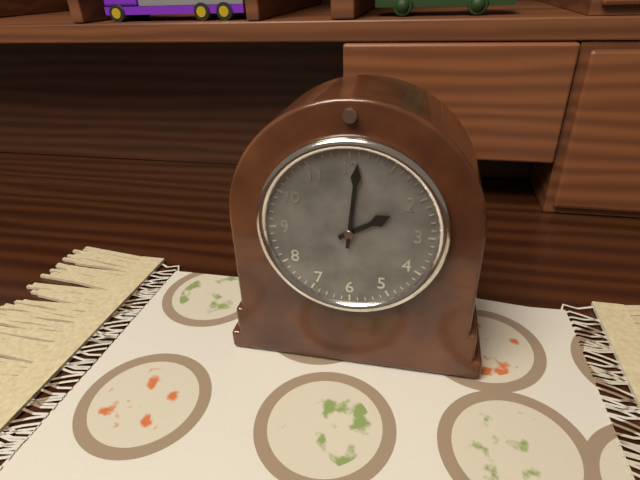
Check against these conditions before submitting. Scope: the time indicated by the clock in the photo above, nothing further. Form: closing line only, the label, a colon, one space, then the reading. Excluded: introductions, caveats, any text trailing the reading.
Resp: 2:01
